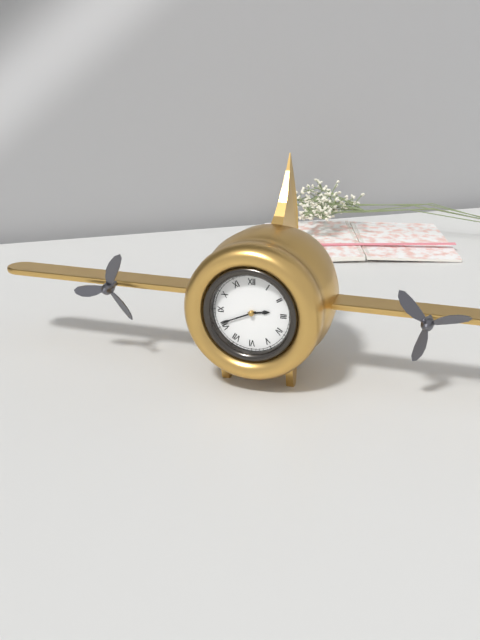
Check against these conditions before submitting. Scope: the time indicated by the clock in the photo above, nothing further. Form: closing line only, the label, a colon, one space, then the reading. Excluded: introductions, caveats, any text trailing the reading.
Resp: 2:41
